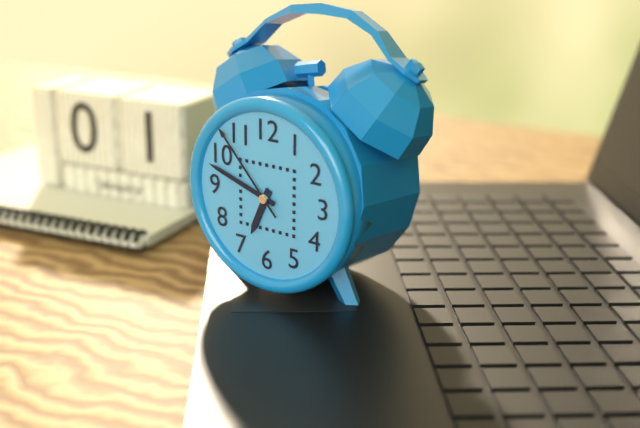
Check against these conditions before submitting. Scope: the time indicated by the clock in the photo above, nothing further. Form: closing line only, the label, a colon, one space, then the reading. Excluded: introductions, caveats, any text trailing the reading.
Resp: 6:48:53
